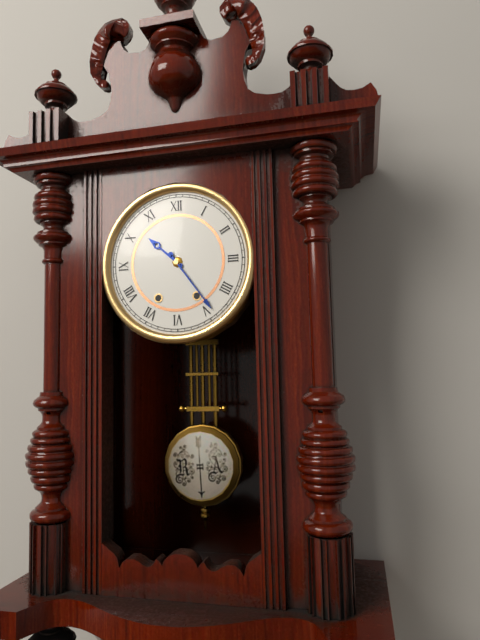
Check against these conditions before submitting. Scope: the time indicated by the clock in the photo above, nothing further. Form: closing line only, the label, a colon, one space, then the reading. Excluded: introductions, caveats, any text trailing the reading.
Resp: 10:24
